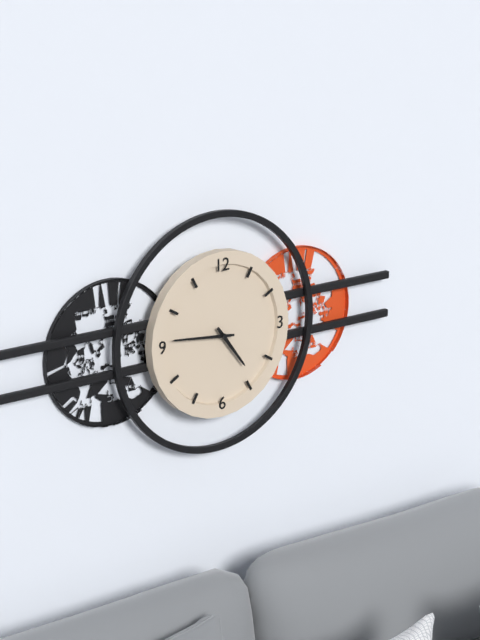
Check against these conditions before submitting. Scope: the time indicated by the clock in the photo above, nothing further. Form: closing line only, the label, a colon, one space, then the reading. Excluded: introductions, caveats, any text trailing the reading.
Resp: 4:46
